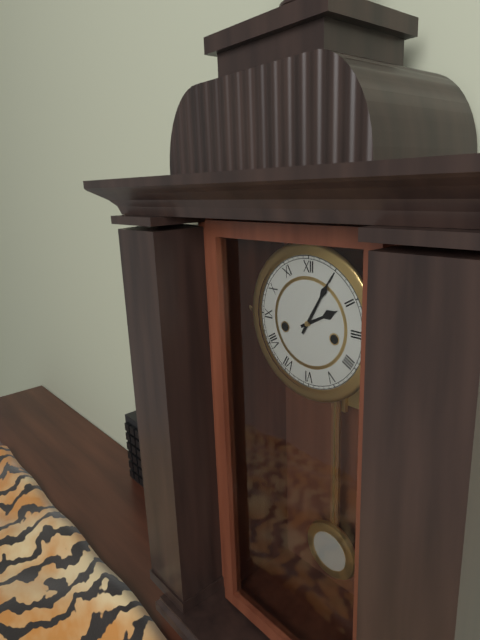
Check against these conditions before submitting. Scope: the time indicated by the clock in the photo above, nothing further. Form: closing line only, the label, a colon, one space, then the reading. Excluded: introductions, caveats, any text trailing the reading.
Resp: 2:05
